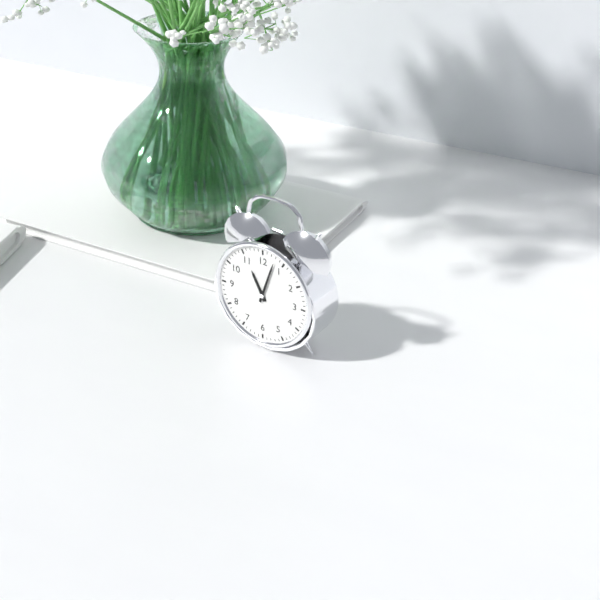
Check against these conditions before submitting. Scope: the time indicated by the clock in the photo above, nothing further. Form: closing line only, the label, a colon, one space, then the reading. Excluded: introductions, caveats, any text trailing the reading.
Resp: 11:03
